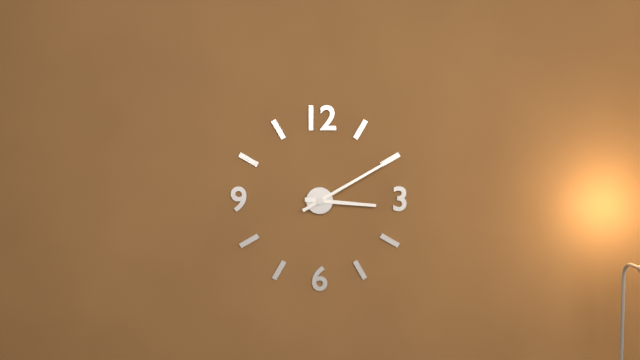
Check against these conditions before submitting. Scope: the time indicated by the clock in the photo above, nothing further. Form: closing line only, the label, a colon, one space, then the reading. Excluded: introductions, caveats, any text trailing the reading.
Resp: 3:10
